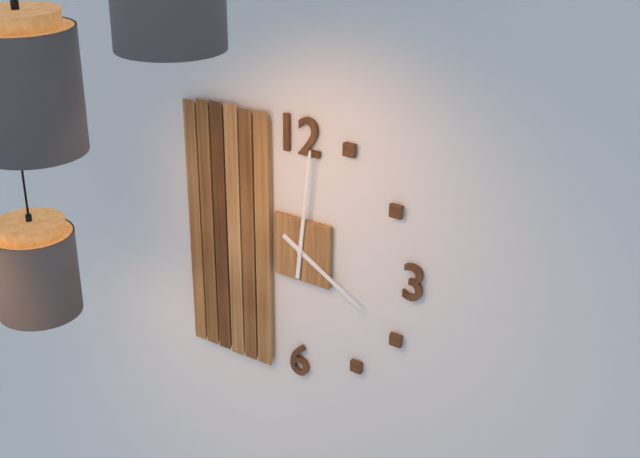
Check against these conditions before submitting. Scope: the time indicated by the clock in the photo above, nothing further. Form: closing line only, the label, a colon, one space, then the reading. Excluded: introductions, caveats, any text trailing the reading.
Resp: 4:01
